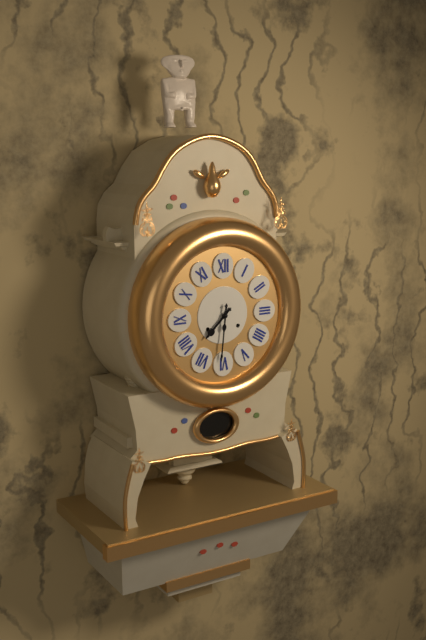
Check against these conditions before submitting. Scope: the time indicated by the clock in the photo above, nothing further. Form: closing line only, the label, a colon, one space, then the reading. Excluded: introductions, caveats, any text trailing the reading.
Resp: 7:31
